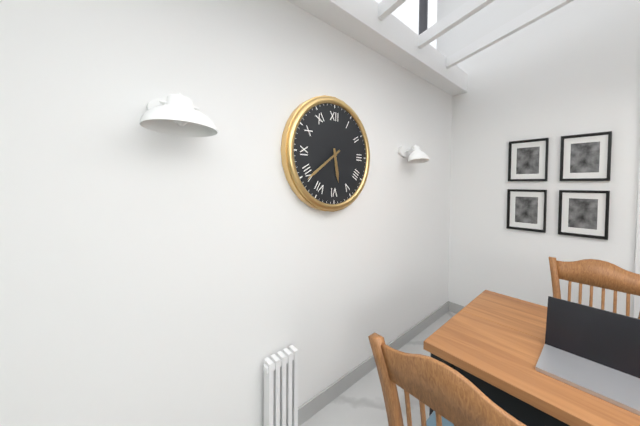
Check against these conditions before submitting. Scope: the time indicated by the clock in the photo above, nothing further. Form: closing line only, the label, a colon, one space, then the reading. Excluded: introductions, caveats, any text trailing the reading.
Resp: 5:39
